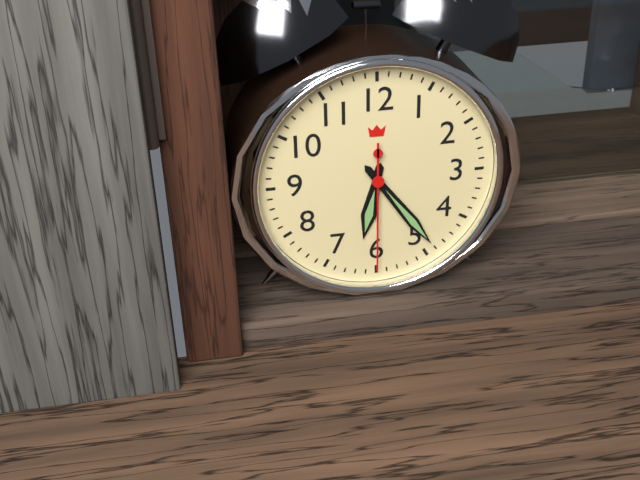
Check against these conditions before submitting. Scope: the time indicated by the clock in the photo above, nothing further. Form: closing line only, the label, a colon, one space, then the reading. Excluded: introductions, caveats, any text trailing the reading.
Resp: 6:24:30
